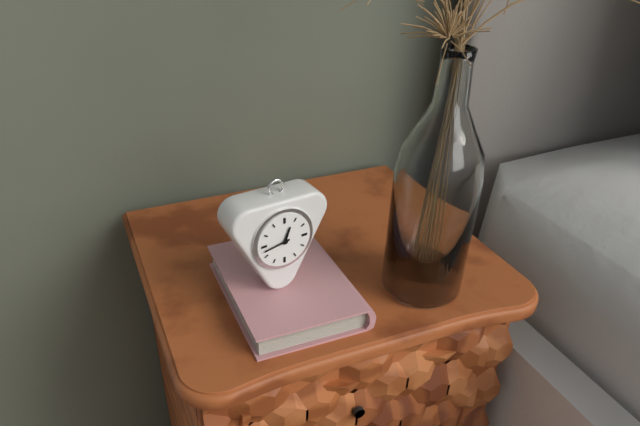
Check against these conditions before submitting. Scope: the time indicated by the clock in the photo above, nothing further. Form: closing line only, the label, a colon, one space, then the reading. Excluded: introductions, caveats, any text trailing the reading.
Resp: 12:43
